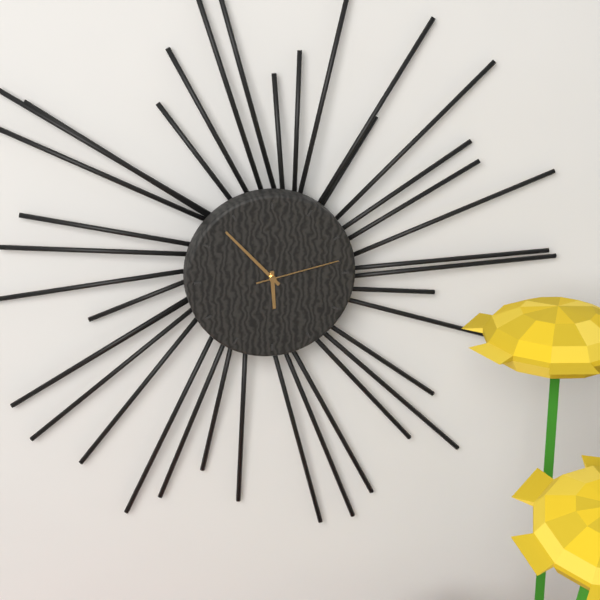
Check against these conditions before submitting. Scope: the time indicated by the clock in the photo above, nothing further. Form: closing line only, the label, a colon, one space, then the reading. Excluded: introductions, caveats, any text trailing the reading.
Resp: 5:53:13
